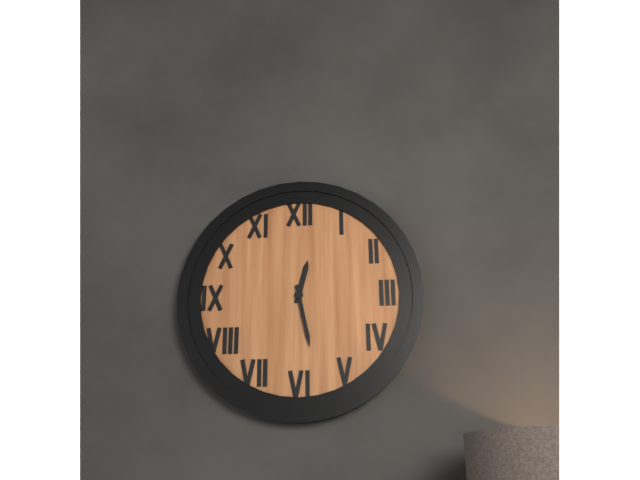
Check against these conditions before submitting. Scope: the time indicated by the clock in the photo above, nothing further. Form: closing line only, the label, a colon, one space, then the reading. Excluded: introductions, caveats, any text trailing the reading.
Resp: 12:28
